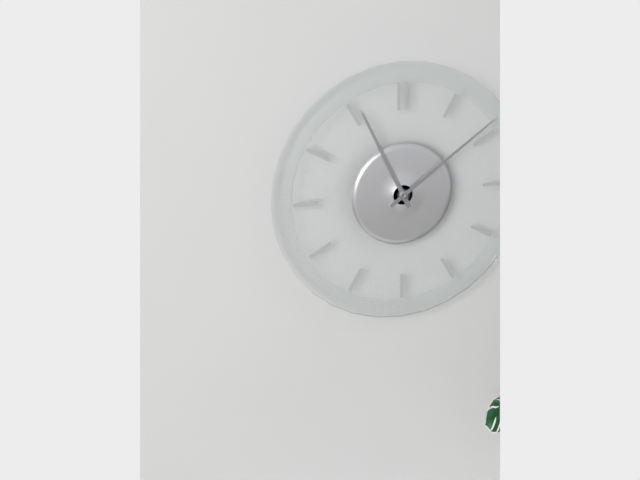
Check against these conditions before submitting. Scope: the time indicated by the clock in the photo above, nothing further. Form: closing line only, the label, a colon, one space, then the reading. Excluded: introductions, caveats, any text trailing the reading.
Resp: 11:09
